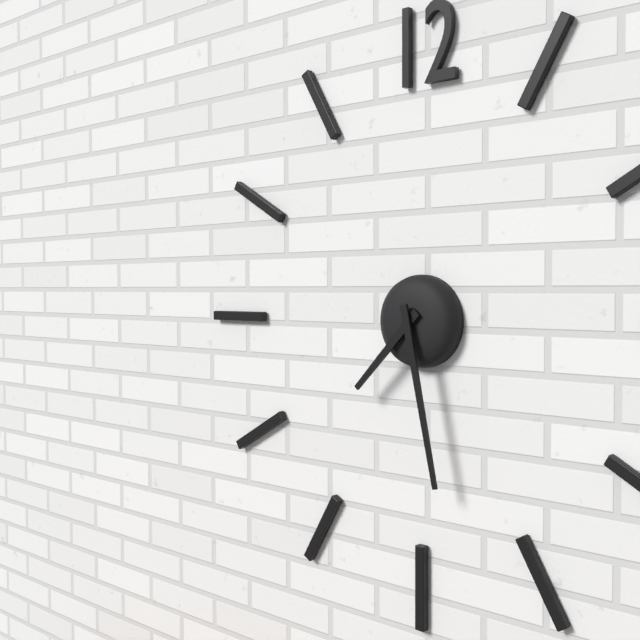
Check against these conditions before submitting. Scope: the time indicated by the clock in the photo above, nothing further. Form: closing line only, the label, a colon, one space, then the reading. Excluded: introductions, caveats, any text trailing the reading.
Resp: 7:28
